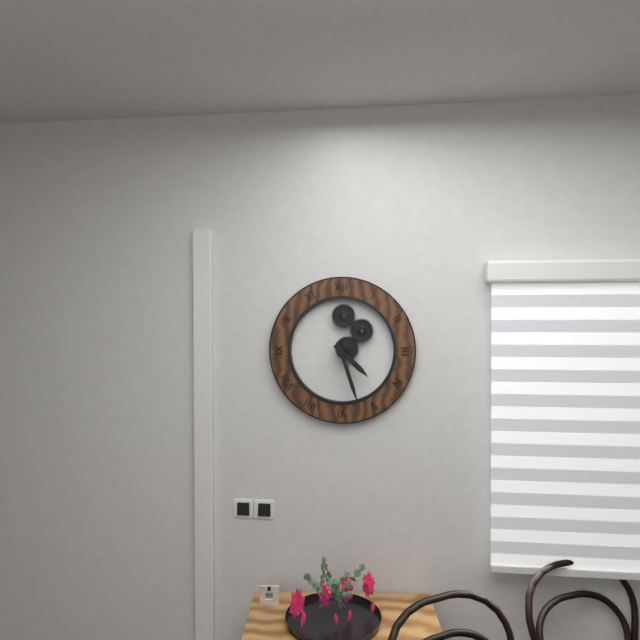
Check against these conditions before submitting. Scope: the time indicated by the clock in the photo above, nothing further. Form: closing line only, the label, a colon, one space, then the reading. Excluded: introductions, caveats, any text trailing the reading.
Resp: 4:27
